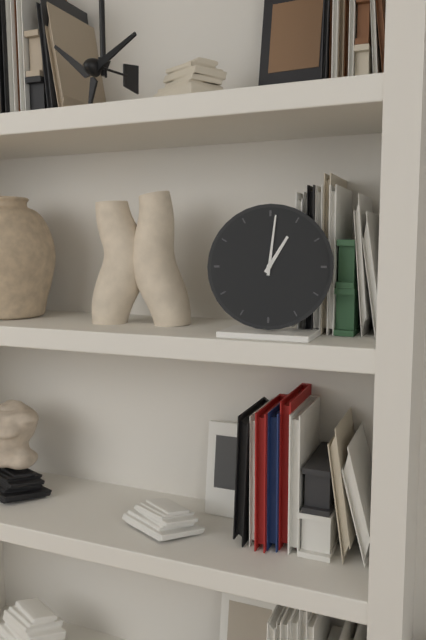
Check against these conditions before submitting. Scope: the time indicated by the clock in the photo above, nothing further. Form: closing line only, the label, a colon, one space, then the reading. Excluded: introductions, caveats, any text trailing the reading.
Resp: 1:01
